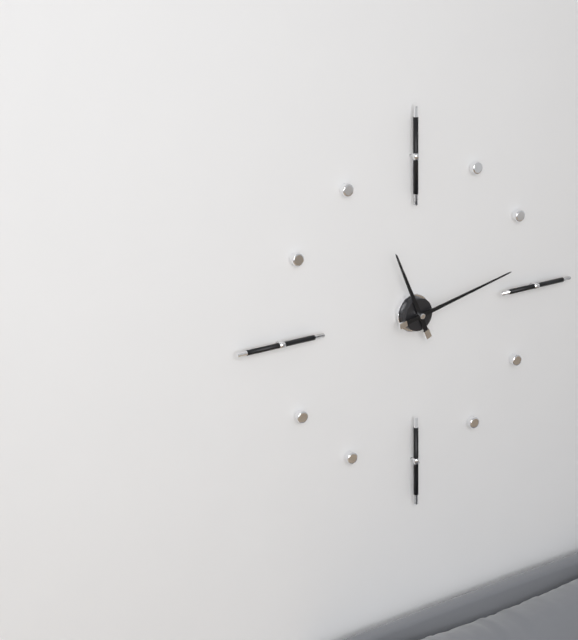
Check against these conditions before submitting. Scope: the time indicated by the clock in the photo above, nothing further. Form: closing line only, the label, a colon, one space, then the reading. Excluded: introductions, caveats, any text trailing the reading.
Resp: 11:13
